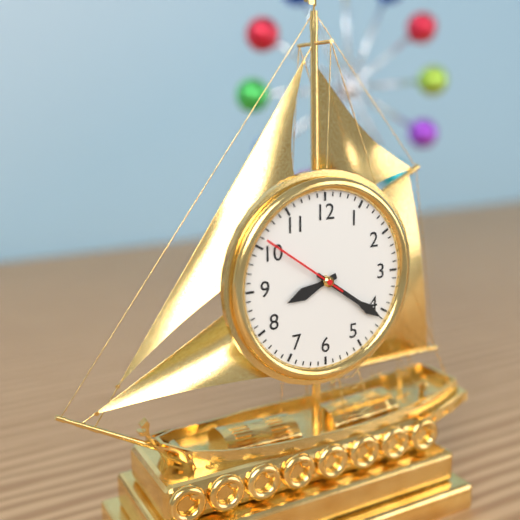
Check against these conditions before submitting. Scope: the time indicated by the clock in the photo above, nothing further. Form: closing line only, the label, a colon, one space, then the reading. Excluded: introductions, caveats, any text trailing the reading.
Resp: 8:21:51
